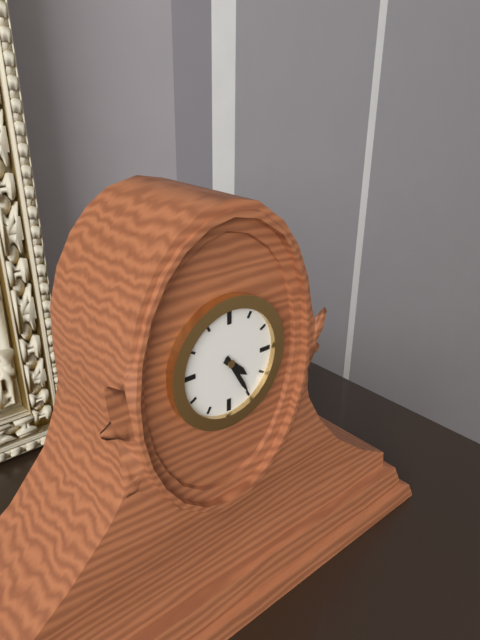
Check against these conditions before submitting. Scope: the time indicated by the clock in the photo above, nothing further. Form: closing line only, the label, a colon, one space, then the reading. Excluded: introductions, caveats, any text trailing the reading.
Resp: 4:25
